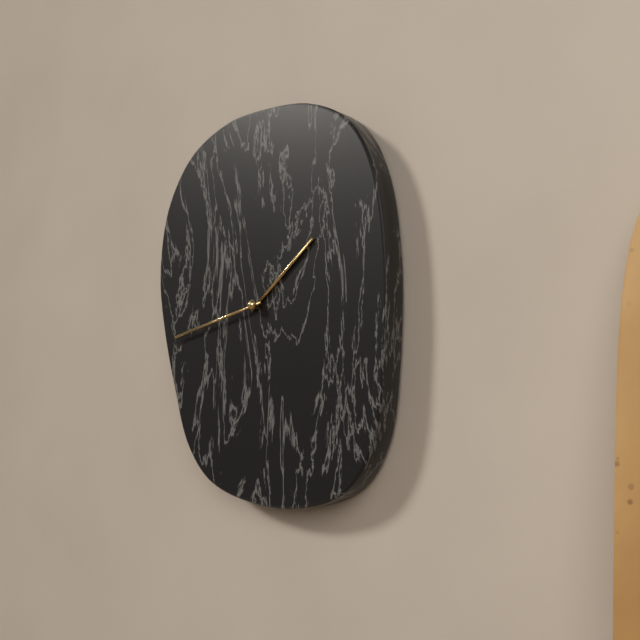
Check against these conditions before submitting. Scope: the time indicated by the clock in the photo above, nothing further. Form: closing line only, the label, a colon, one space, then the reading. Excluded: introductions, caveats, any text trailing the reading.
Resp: 1:43
